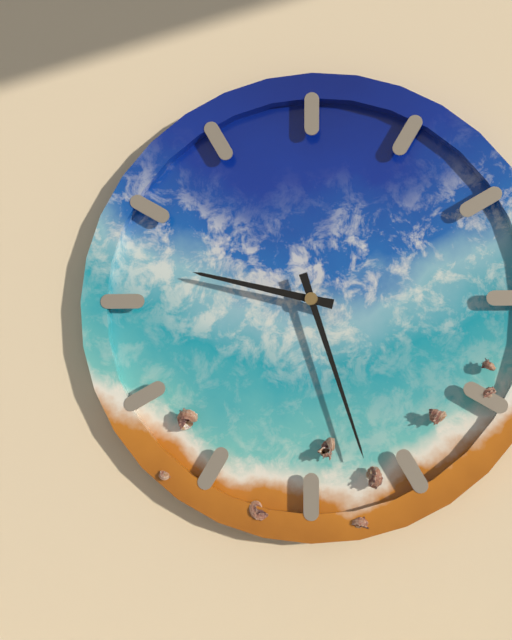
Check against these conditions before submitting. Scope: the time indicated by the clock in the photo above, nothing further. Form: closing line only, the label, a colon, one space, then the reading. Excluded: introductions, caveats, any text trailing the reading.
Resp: 9:27
